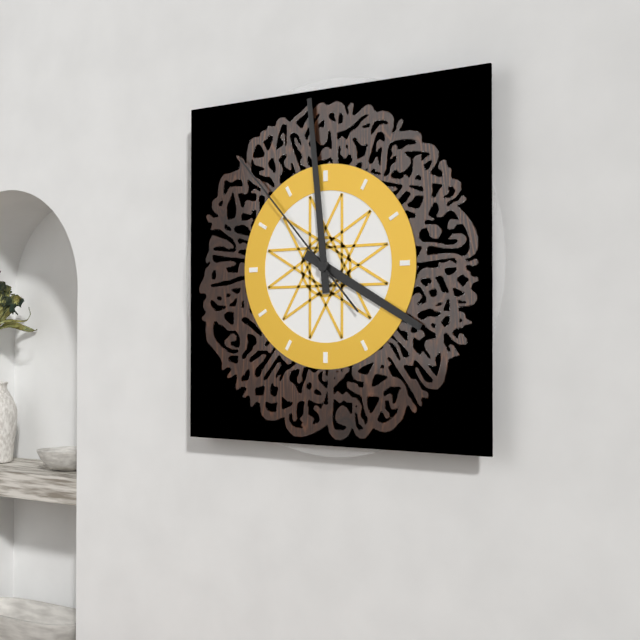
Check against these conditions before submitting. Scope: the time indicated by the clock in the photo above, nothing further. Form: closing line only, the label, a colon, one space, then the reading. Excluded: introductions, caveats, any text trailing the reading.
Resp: 3:59:53
